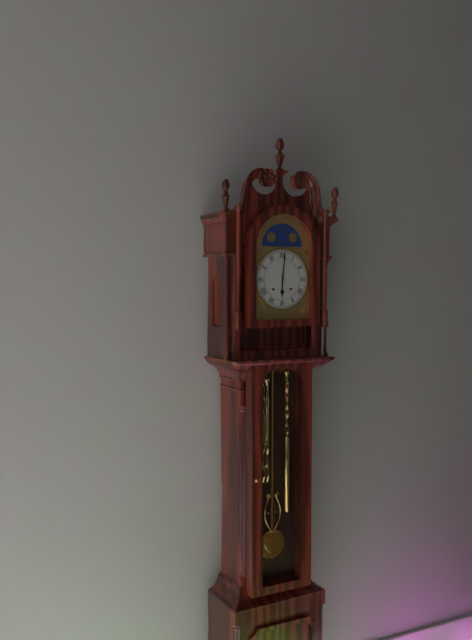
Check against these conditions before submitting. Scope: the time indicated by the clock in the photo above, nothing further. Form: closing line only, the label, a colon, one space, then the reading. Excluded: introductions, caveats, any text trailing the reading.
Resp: 6:01
